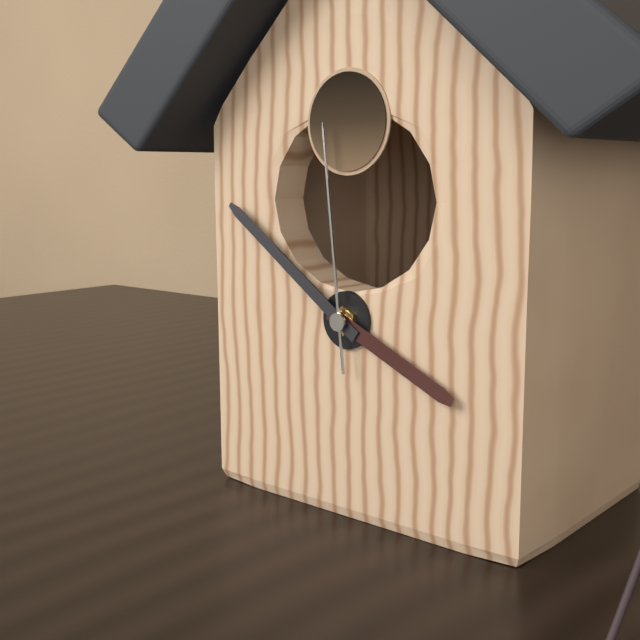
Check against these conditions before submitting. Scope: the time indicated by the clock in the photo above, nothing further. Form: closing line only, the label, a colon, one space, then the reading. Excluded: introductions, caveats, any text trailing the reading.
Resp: 3:51:59
